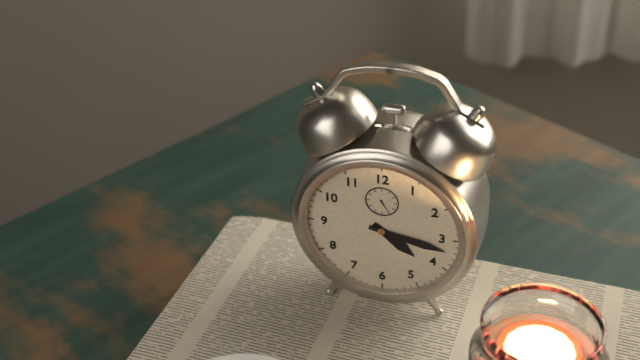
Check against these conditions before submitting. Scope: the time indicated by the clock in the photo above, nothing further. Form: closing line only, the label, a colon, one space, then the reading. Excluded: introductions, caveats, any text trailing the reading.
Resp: 4:17
